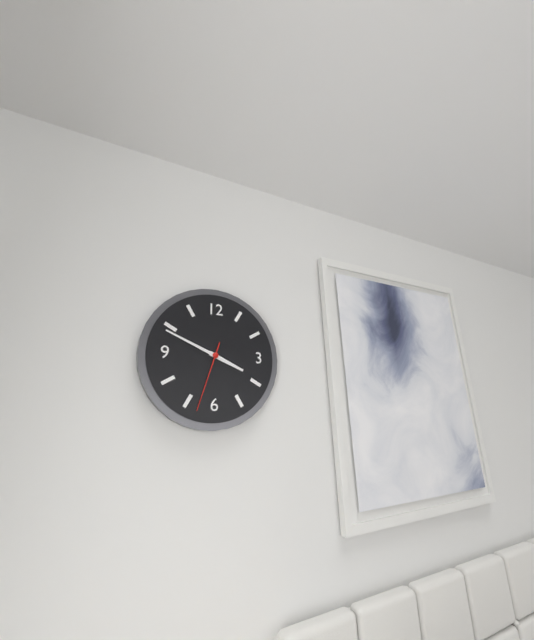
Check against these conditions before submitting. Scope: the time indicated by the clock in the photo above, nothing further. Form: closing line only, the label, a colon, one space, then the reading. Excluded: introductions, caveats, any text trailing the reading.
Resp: 3:49:33
